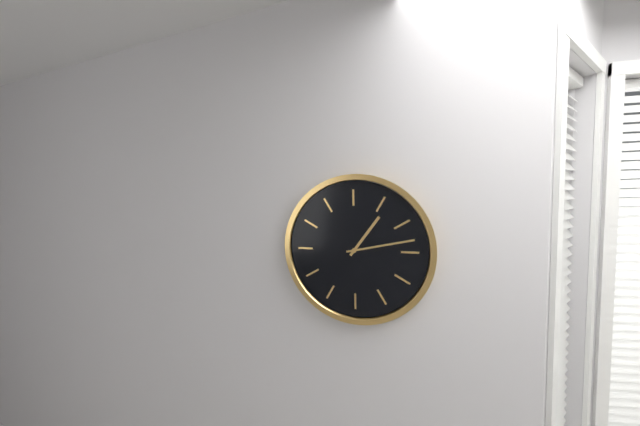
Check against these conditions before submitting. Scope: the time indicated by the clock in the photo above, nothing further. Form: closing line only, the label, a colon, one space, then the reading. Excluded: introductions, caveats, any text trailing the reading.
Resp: 1:13
